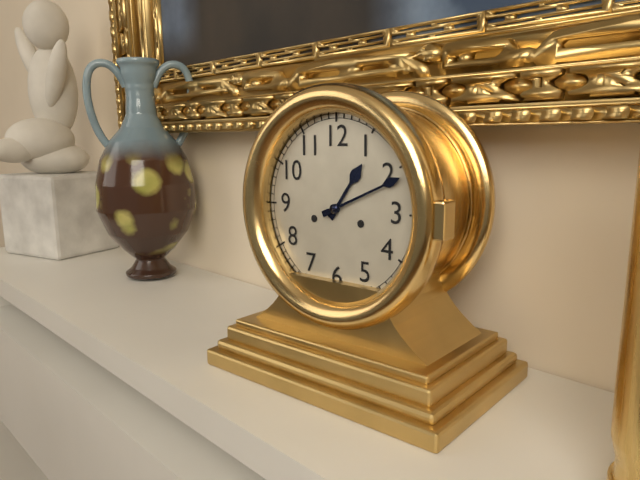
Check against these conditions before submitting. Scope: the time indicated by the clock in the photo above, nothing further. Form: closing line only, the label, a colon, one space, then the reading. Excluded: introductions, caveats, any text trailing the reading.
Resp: 1:11
